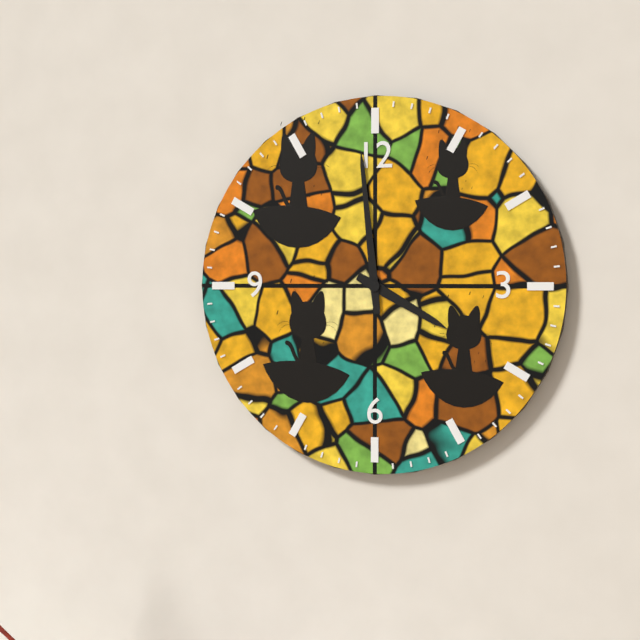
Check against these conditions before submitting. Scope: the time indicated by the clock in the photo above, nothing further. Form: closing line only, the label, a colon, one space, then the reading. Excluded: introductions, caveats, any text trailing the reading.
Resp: 3:59
